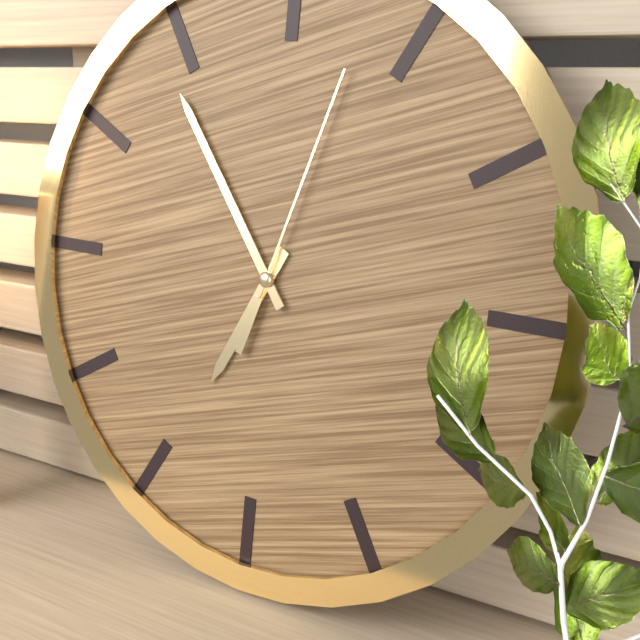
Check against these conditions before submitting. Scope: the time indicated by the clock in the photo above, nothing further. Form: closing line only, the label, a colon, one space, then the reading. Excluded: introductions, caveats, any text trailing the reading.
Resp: 6:54:03
